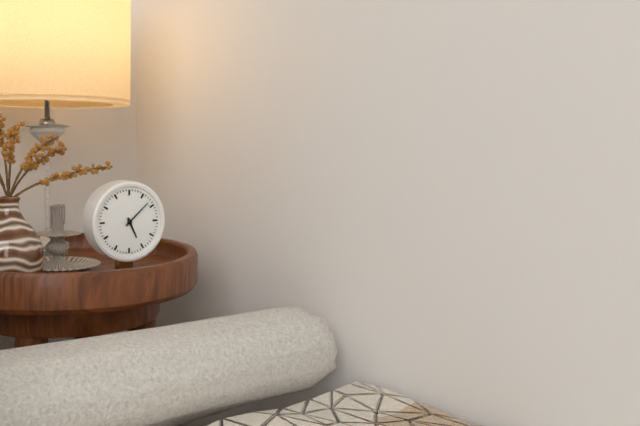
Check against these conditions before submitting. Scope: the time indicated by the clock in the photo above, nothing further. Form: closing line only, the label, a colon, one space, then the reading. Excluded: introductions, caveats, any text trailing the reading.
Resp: 5:08
